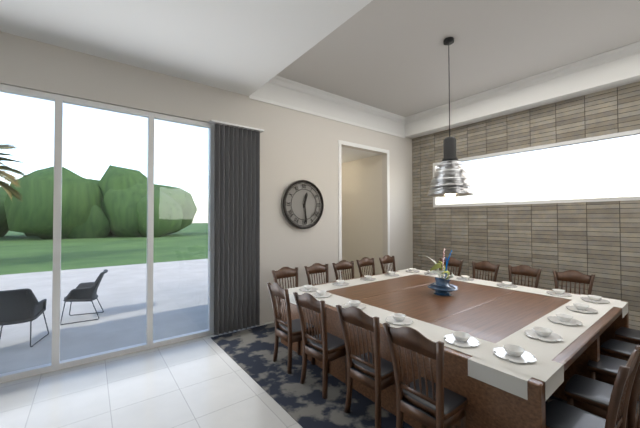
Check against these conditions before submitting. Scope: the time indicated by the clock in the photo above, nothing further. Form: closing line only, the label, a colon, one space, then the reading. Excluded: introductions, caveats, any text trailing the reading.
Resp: 12:29
